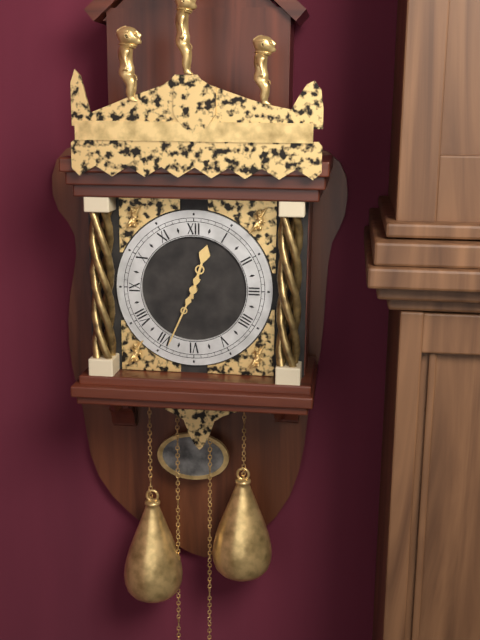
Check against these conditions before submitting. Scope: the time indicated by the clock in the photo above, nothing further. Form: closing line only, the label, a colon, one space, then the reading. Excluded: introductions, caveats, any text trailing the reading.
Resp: 12:34
